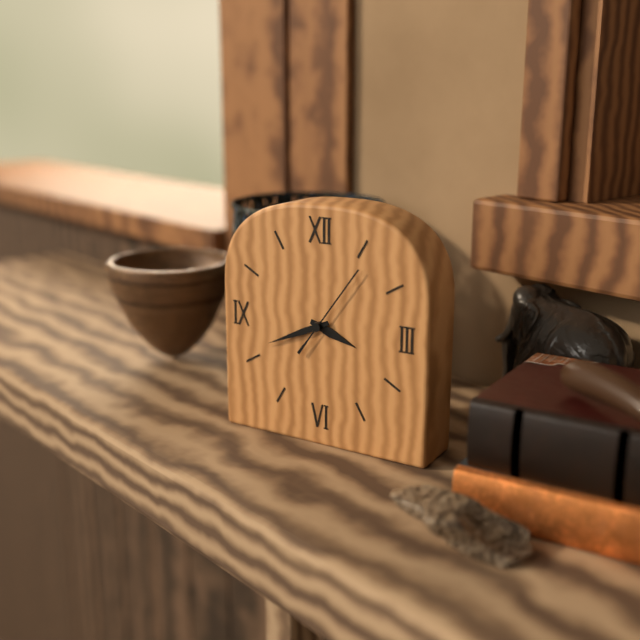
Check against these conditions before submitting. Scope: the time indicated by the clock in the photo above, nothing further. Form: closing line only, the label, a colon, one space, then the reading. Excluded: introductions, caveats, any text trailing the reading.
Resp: 3:41:06
